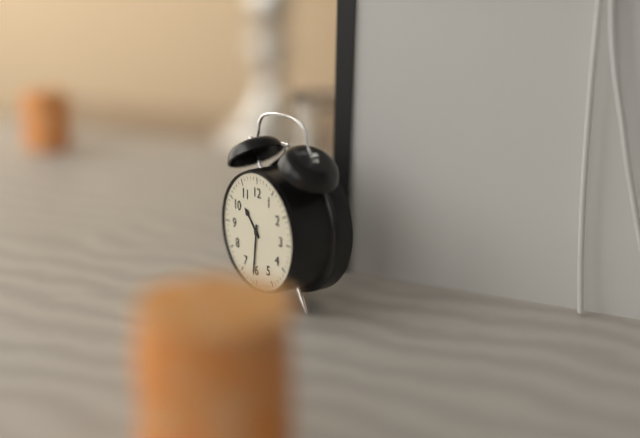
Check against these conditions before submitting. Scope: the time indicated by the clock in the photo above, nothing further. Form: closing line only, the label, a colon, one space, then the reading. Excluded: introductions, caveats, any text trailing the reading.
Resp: 10:31
